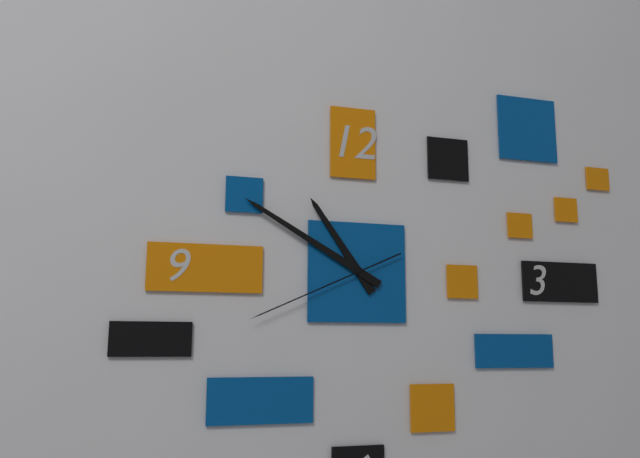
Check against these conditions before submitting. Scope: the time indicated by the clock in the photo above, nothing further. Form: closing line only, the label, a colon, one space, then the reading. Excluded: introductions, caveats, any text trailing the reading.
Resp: 10:50:41
